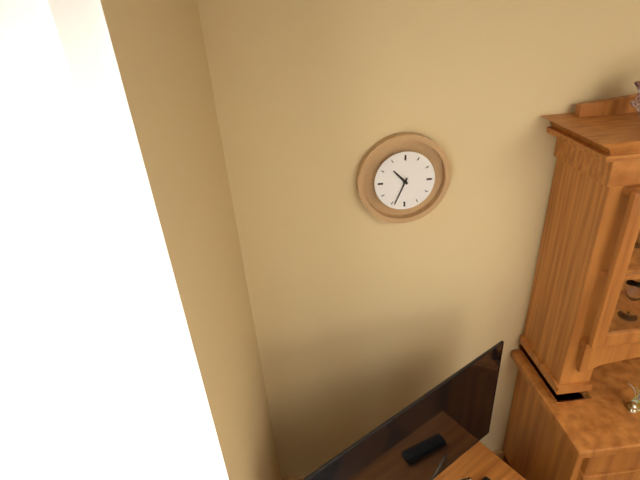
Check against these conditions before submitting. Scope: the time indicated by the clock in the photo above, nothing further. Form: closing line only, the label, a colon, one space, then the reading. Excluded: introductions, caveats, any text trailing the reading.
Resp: 10:34
